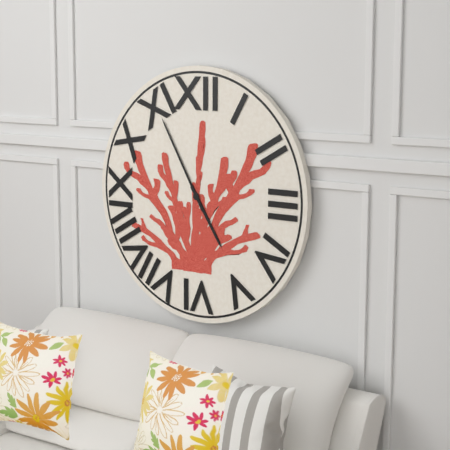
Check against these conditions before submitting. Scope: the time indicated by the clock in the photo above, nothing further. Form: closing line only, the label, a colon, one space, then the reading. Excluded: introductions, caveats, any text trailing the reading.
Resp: 4:55
